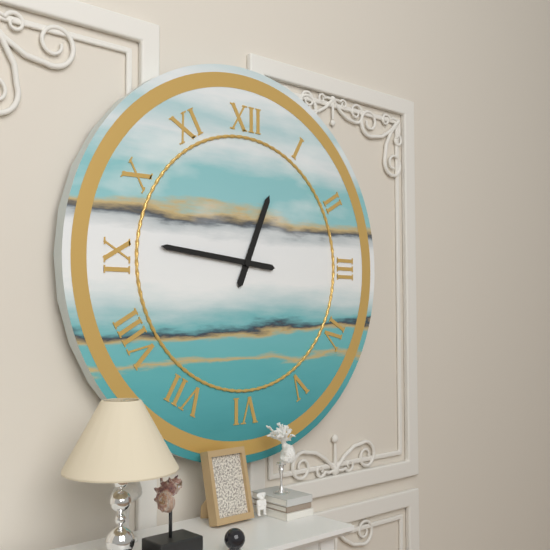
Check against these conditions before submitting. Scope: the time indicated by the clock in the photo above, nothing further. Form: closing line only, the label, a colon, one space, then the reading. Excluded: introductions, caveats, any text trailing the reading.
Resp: 12:46
